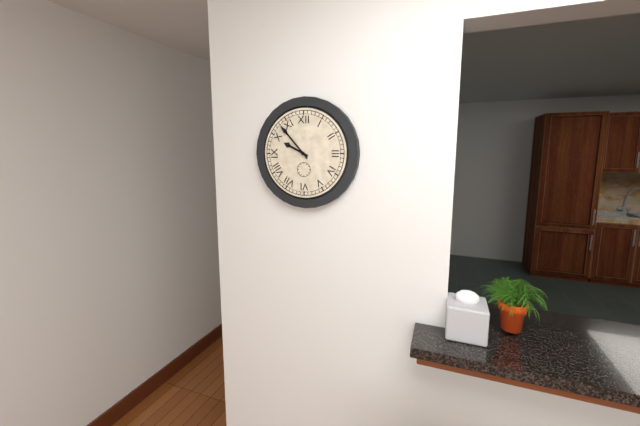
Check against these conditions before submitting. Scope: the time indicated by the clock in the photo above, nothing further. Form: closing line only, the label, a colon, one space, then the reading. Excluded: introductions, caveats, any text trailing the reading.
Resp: 9:53
